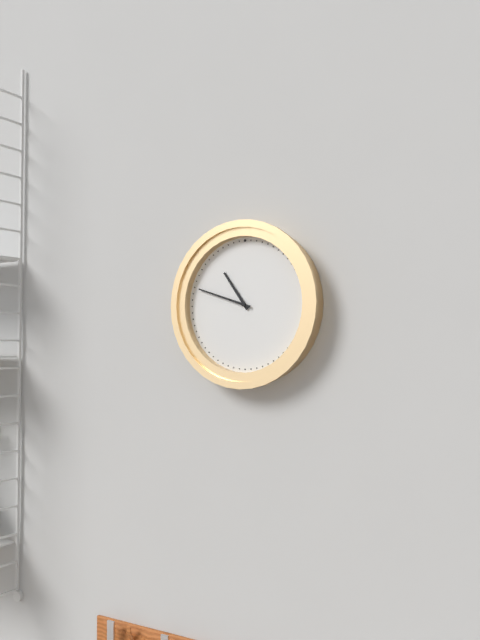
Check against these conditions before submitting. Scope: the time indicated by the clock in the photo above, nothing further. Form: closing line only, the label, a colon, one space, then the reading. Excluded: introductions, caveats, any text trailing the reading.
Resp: 10:48
